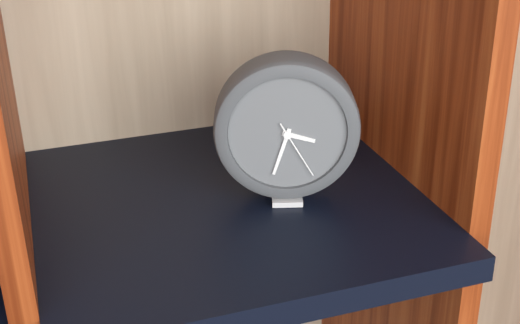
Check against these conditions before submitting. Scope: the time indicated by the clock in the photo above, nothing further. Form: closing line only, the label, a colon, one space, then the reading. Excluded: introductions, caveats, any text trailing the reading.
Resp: 3:33:25
